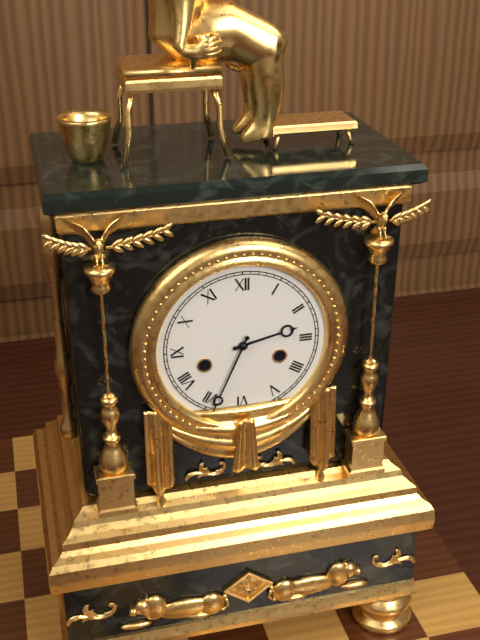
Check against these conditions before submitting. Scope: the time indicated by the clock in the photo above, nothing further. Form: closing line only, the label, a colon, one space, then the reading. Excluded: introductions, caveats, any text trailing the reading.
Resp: 2:34
